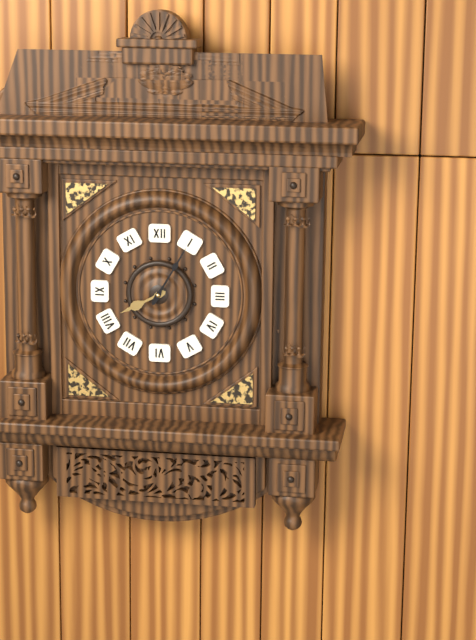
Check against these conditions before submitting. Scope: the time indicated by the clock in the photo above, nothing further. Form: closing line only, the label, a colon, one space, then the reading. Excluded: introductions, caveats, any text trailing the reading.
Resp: 8:05
